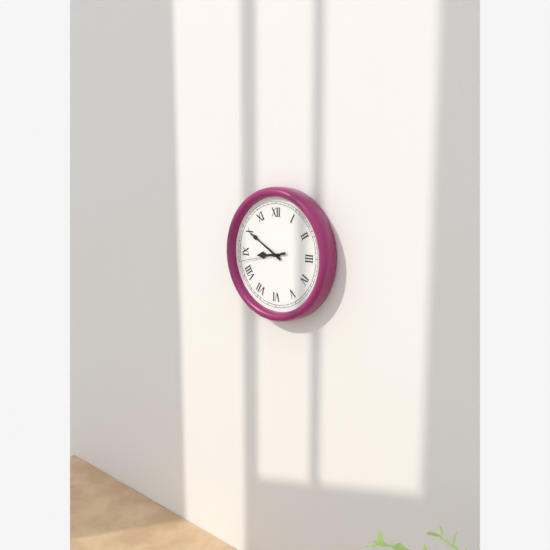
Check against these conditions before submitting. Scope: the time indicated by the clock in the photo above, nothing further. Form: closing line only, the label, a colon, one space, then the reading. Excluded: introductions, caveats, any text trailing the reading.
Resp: 8:50
